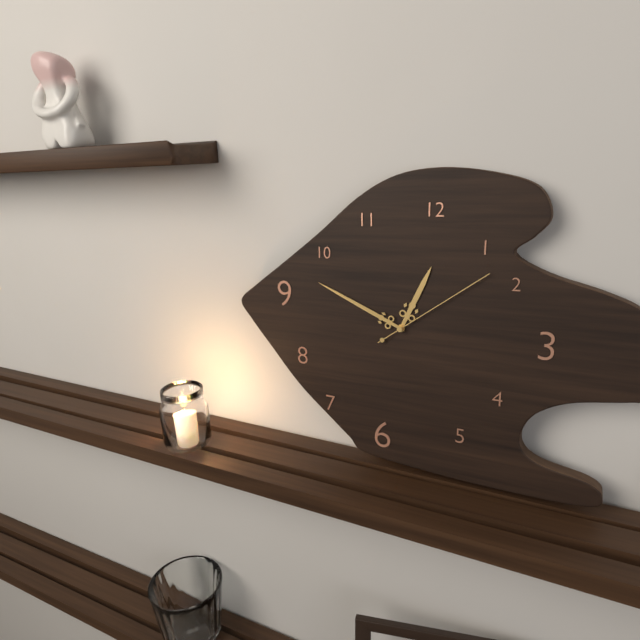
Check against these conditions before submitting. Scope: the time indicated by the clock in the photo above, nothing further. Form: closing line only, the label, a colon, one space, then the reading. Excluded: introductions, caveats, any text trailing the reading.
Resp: 12:49:09
